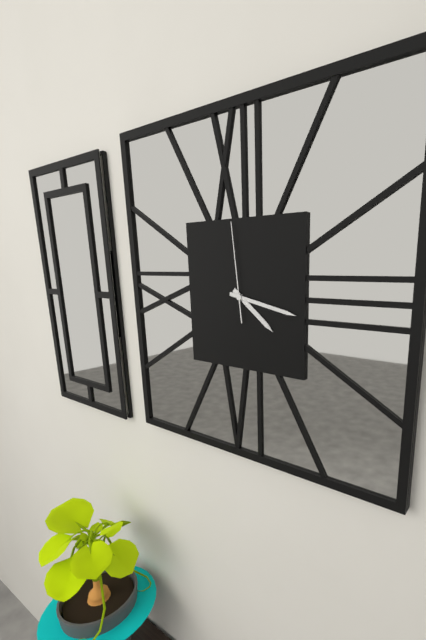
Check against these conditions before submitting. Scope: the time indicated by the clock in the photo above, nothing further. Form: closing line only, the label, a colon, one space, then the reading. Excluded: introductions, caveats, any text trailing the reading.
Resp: 4:17:59
